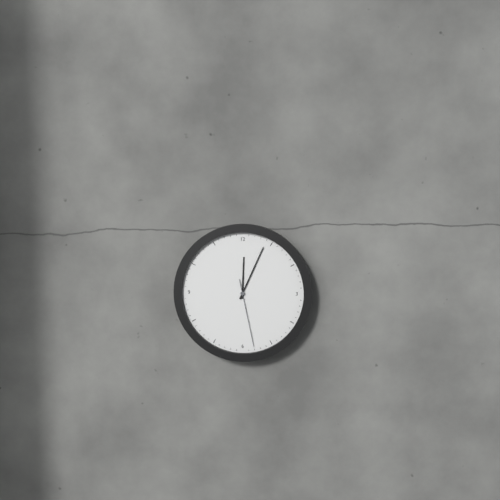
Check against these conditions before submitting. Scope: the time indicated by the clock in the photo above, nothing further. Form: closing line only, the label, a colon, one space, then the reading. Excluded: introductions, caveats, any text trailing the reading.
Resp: 12:04:28
